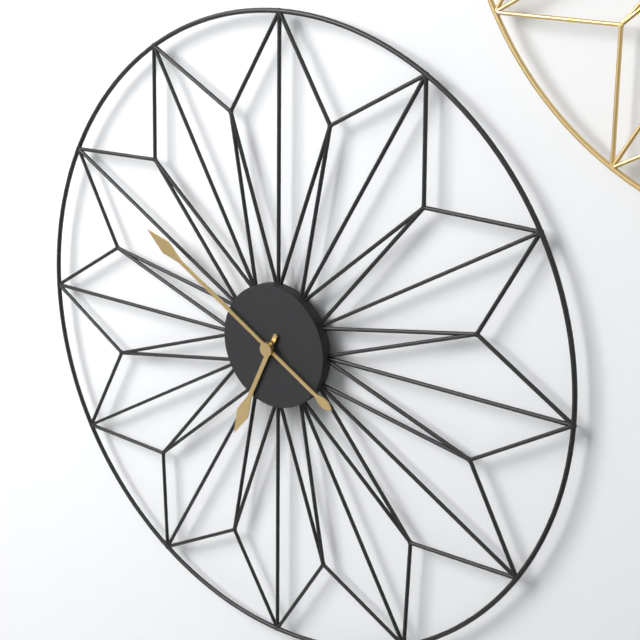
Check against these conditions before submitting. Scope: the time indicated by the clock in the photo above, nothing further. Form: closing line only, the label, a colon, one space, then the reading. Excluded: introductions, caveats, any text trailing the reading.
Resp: 6:50
